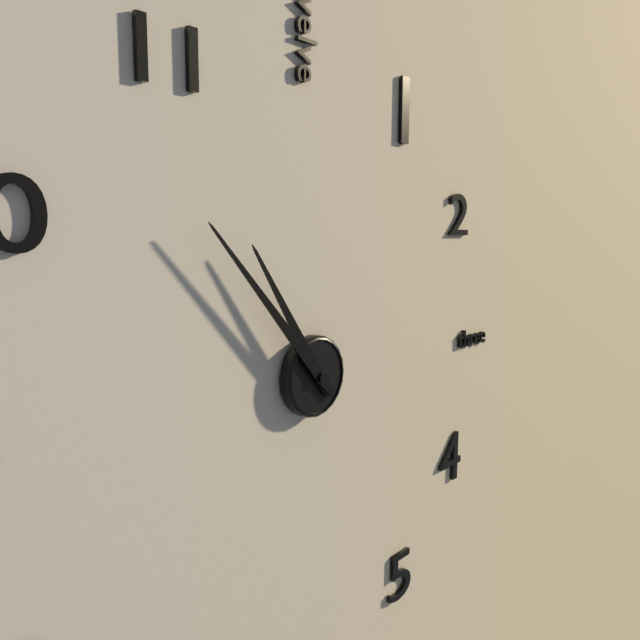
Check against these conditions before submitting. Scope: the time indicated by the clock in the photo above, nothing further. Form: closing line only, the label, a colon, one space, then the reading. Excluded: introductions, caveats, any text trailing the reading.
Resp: 10:53
